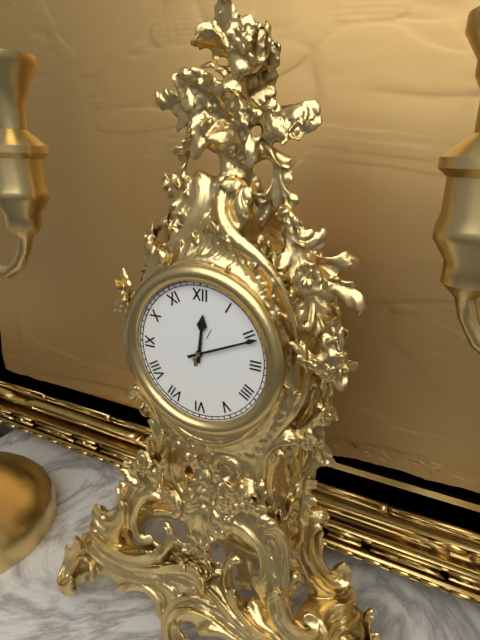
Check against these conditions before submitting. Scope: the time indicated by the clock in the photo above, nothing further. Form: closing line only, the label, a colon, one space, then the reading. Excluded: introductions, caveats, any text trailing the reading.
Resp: 12:11
